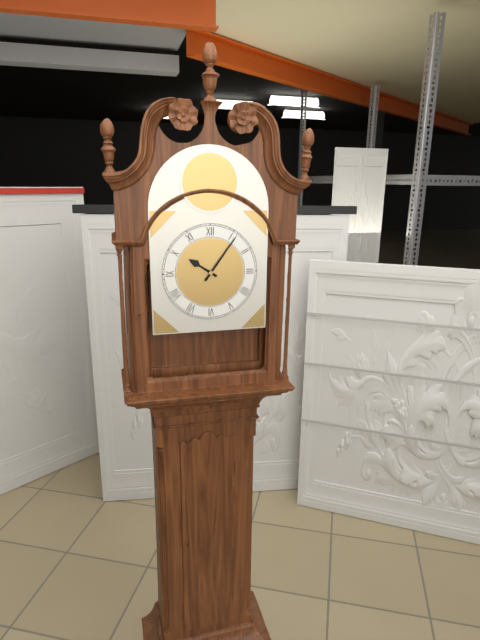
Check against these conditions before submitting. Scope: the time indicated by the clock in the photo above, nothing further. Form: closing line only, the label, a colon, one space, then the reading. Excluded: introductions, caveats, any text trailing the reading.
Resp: 10:06
